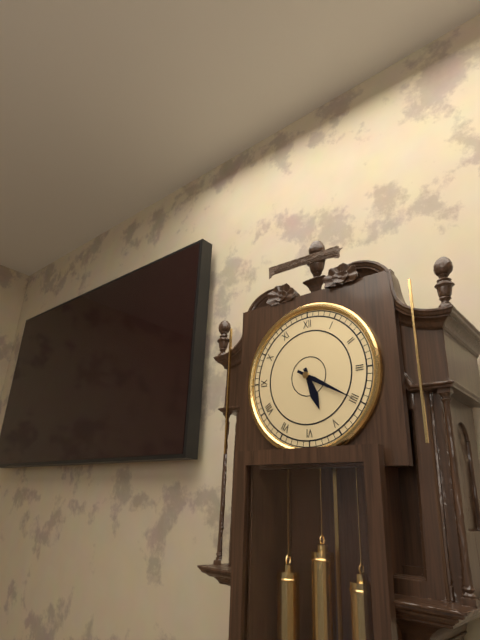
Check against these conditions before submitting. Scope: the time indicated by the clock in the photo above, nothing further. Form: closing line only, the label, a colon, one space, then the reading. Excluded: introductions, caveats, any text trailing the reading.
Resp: 5:20
